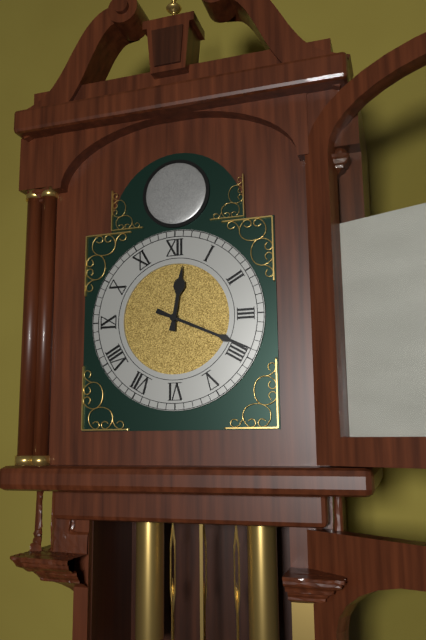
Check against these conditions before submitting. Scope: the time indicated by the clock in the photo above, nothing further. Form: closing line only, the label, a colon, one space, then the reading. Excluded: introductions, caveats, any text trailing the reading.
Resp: 12:19
